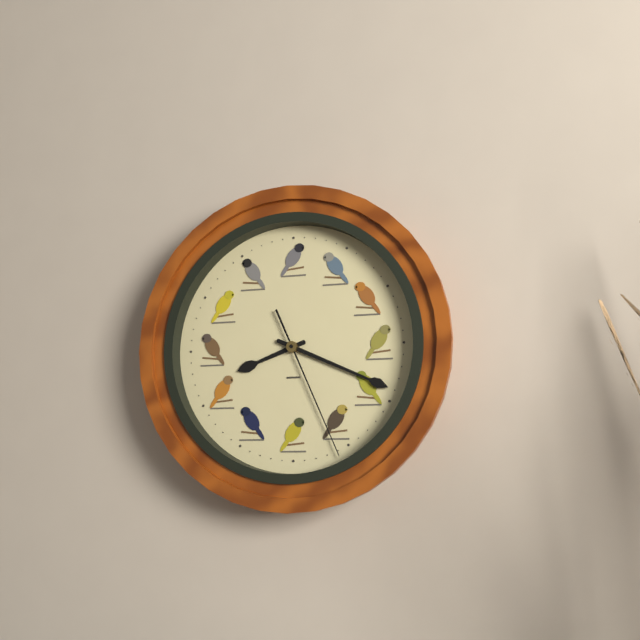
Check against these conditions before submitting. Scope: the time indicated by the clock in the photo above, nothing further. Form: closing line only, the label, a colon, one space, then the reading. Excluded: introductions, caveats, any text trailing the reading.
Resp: 8:19:26
